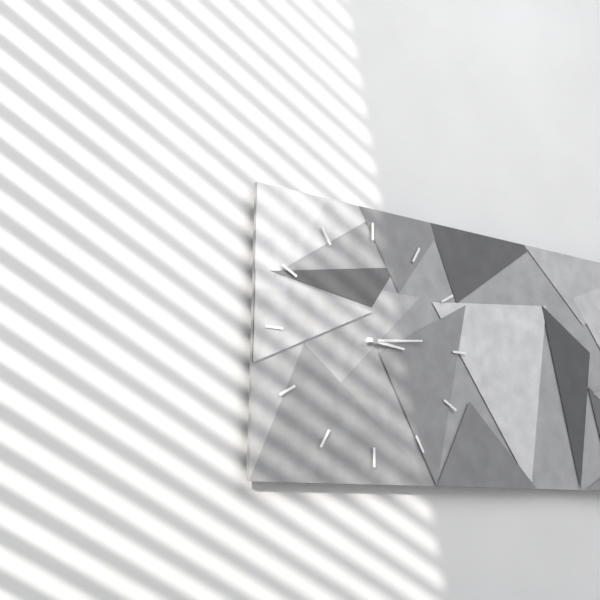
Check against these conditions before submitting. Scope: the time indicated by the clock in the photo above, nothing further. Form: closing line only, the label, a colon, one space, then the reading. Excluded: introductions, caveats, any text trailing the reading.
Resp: 3:14
